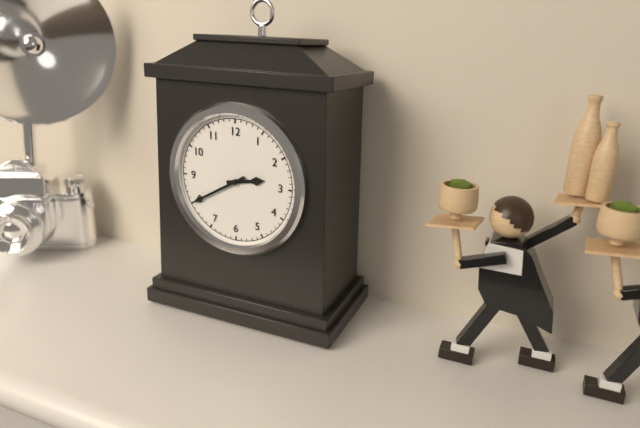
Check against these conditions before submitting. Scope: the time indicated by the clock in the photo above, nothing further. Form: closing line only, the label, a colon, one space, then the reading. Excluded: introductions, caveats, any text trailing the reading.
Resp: 2:40
